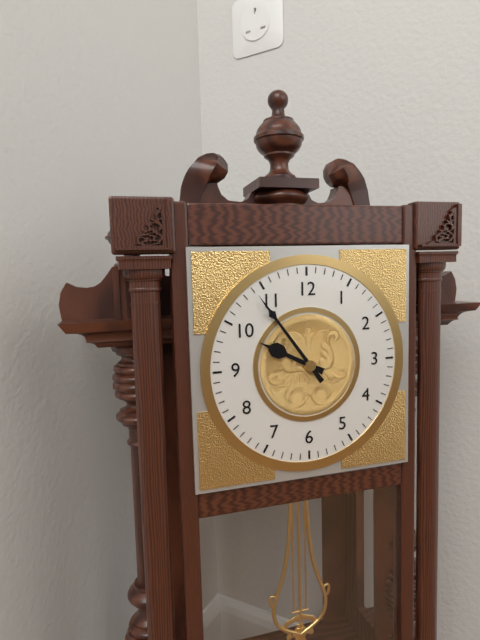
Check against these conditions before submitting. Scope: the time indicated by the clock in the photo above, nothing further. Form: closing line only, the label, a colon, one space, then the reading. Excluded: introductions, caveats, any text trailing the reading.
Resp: 9:54
